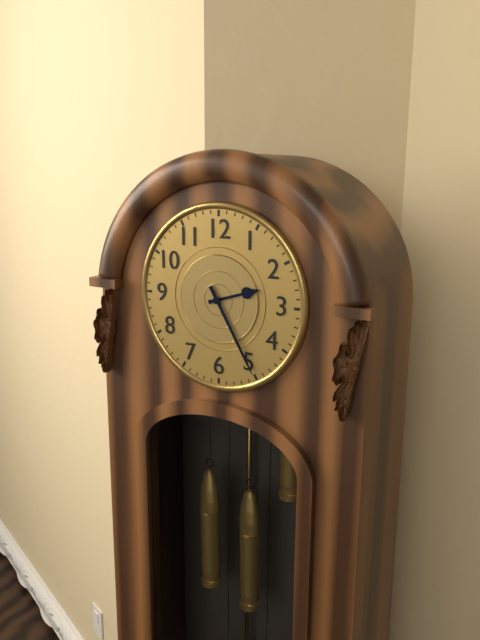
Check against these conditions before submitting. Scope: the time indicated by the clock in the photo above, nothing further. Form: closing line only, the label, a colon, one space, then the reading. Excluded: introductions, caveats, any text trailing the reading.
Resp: 2:25
